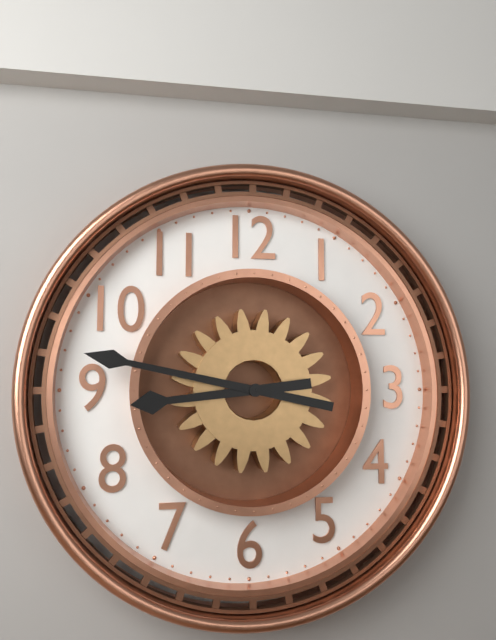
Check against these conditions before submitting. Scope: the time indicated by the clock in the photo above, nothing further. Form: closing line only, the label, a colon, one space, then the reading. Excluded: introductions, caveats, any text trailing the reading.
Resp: 8:47
